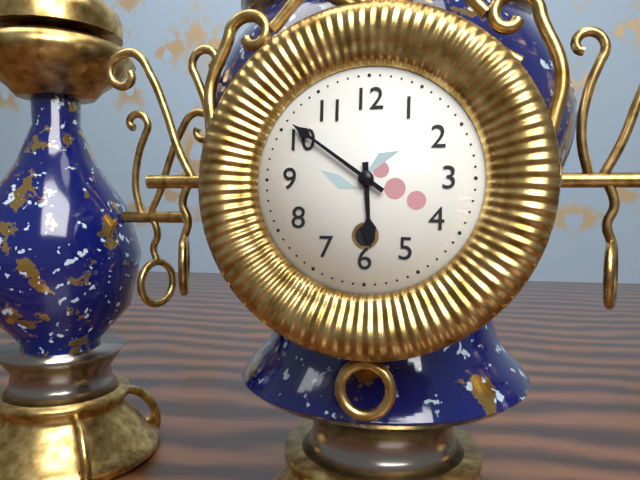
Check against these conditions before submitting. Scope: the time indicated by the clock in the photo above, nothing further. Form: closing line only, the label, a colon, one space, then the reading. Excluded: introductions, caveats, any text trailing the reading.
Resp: 5:51
